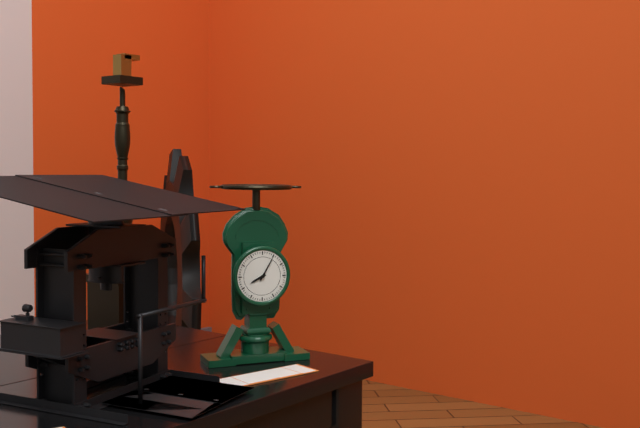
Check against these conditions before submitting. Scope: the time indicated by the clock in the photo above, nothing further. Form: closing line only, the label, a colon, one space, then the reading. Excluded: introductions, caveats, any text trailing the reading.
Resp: 8:05
